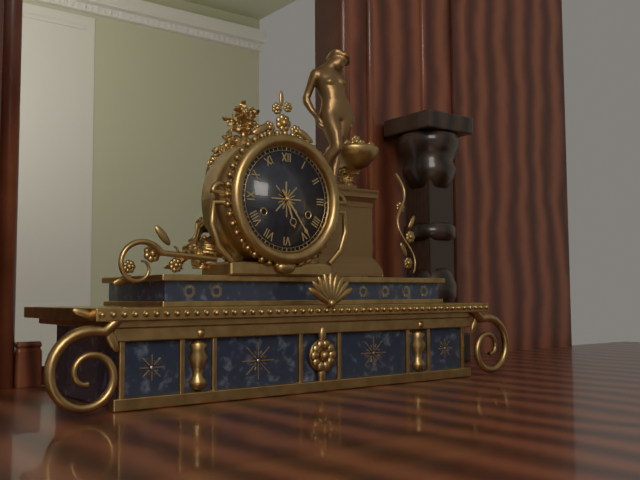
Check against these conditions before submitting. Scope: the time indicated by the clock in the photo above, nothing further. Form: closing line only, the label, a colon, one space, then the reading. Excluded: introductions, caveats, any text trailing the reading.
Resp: 5:24
